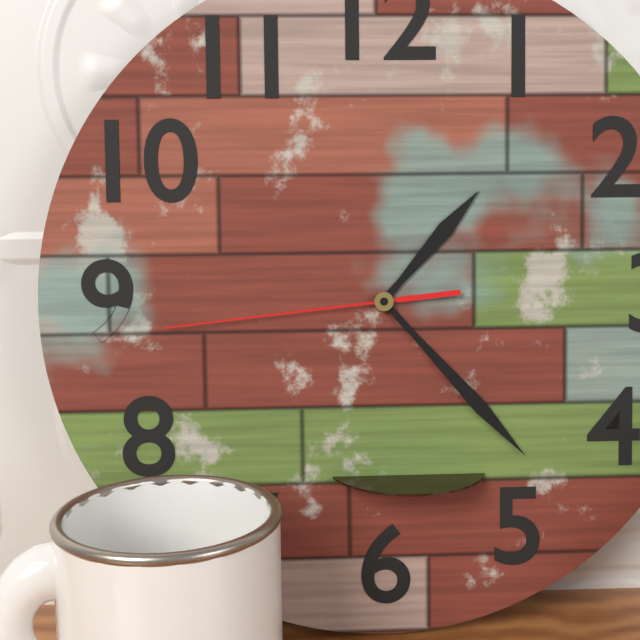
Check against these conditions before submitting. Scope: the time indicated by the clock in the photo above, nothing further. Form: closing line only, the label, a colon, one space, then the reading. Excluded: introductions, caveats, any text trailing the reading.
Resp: 1:23:44
